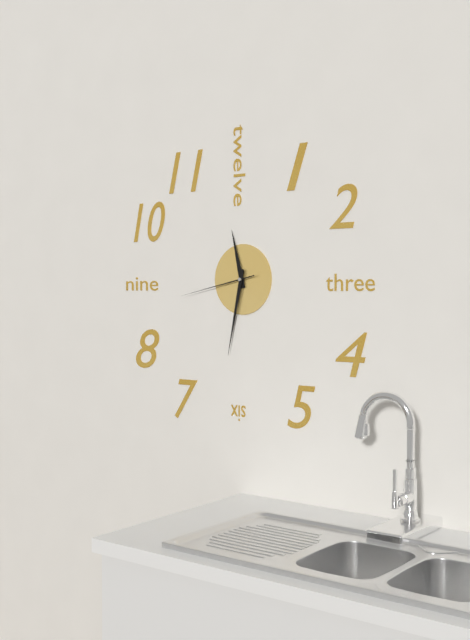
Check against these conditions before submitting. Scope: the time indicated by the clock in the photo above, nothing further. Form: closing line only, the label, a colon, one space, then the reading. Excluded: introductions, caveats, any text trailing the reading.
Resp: 11:32:43
